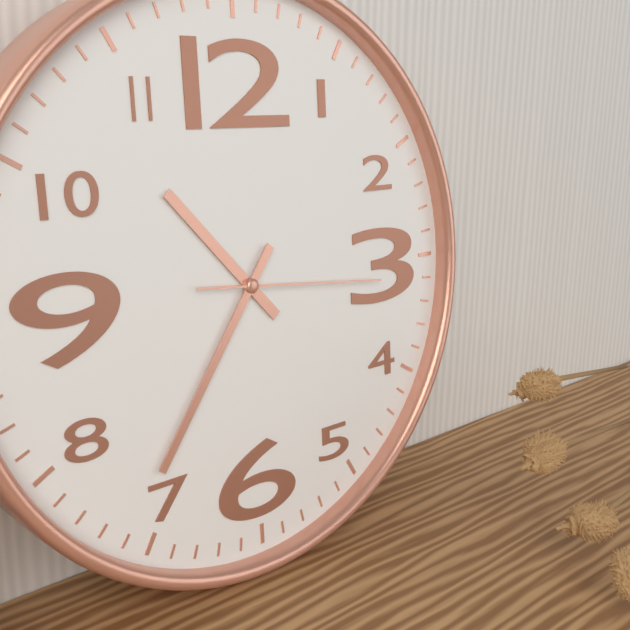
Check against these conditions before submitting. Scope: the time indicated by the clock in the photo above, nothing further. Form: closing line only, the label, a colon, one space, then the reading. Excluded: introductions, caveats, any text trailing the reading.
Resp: 10:36:16
